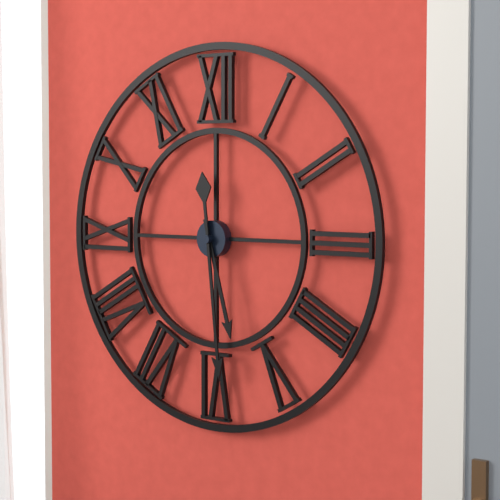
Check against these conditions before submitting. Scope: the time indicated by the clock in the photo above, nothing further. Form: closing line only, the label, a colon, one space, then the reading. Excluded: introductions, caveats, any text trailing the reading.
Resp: 5:29
